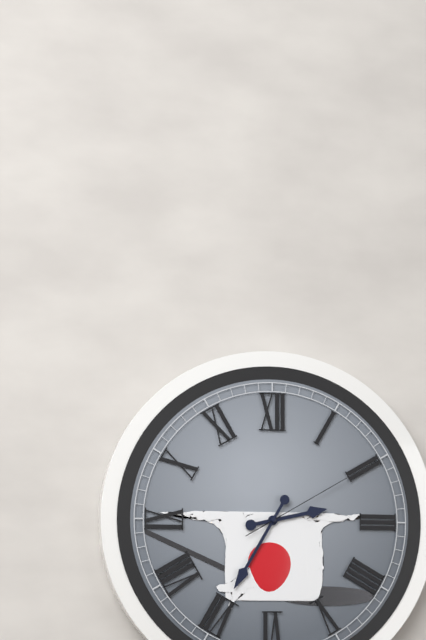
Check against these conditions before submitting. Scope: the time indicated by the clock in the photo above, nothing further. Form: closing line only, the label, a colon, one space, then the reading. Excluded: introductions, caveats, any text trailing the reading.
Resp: 2:35:10
